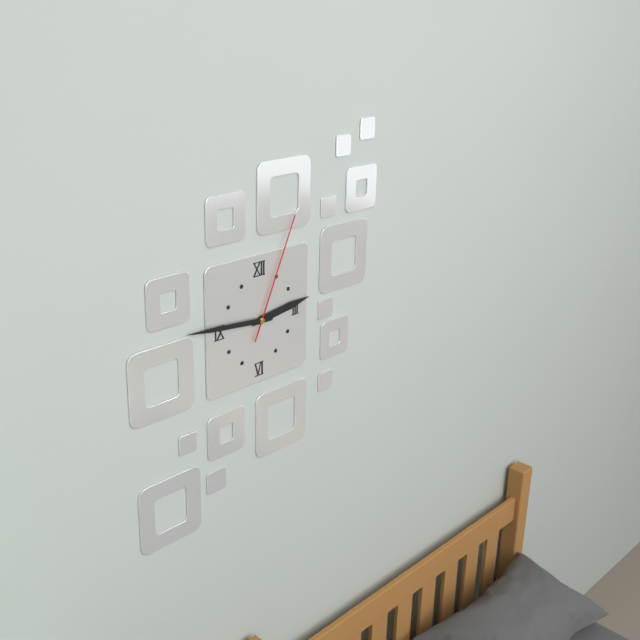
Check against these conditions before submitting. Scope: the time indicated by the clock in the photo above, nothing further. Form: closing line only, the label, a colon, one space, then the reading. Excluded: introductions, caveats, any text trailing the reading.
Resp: 2:46:04
